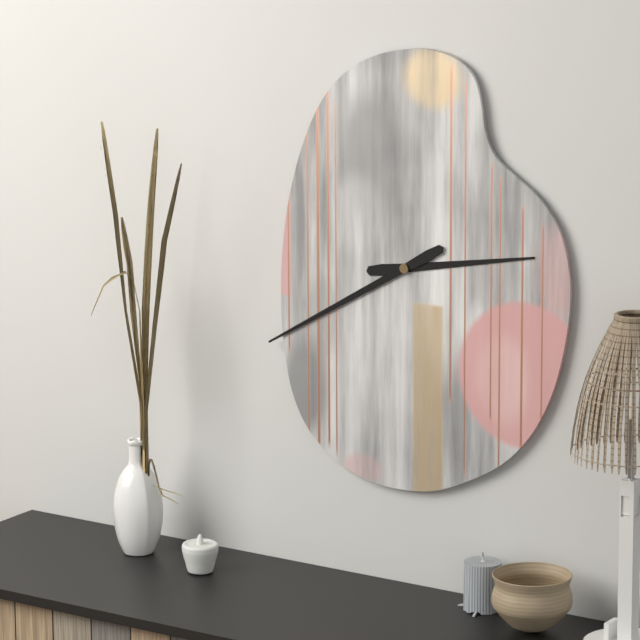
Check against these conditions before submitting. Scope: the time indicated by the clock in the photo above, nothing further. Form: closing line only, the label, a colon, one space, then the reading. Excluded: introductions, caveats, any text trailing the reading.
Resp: 2:40
